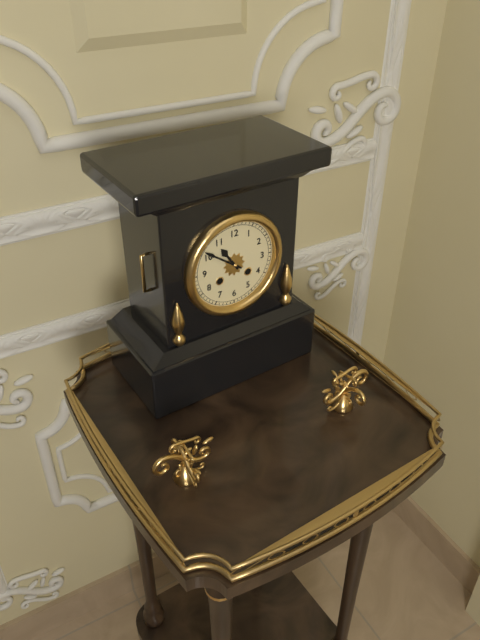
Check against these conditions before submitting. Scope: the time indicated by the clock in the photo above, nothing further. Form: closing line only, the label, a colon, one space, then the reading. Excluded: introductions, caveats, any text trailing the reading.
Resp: 10:51
